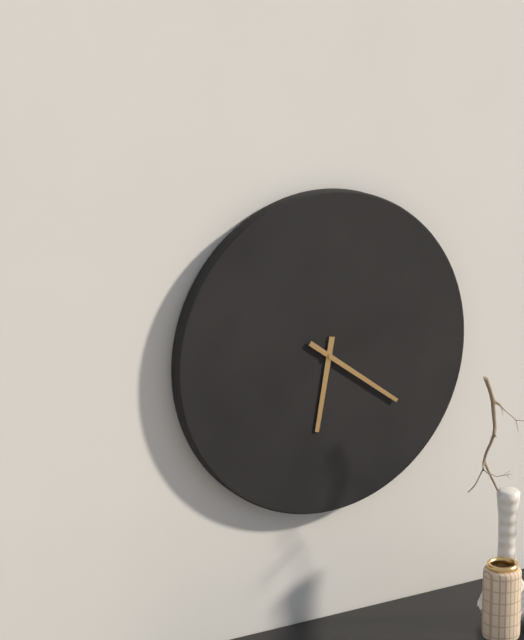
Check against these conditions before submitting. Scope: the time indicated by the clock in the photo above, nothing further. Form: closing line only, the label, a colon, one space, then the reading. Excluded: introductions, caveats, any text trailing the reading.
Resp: 6:21
